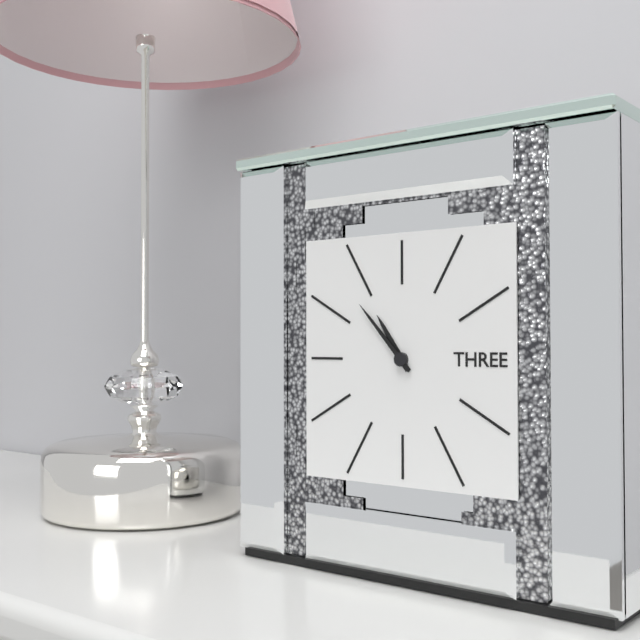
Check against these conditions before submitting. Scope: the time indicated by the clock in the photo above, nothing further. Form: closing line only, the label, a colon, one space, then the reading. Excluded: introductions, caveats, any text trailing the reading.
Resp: 10:53
